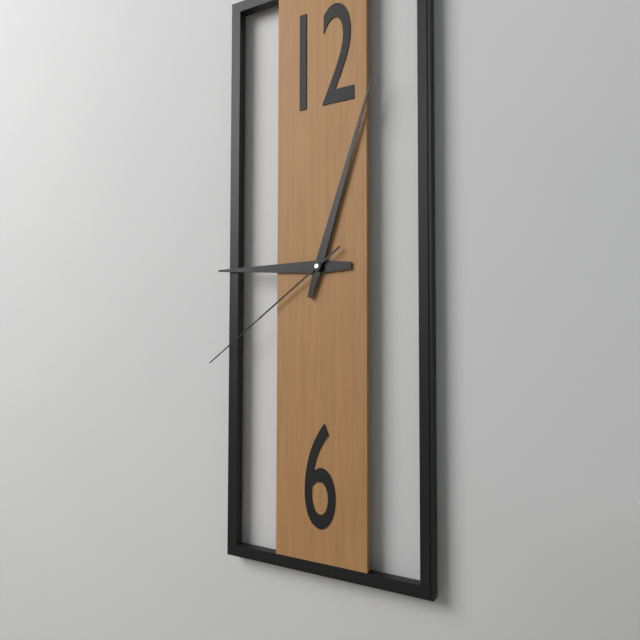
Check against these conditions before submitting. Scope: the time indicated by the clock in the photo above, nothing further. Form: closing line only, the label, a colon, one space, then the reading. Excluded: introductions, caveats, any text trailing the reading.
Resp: 9:03:39
